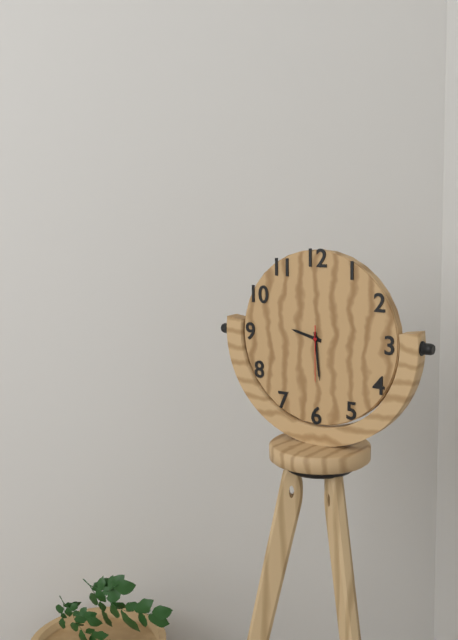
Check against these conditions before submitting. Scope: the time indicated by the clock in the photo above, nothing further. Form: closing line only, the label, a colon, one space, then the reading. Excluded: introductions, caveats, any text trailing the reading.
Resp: 9:29:30
